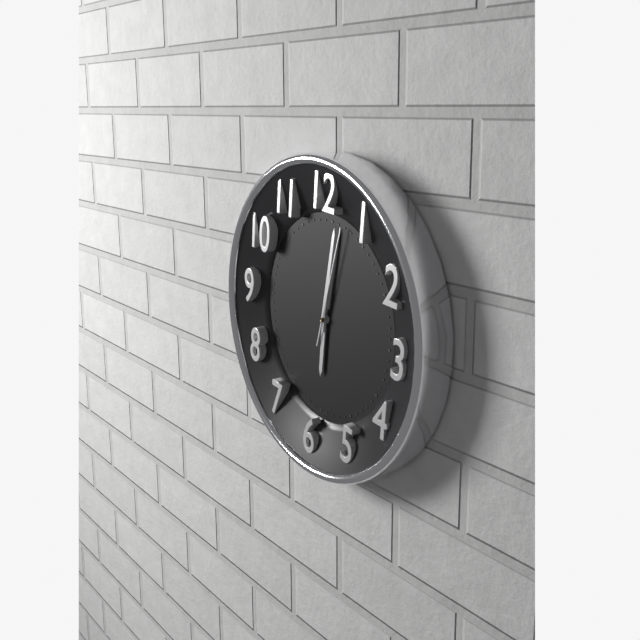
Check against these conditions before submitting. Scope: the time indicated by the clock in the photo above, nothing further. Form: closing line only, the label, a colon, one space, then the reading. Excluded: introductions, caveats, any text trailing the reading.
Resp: 6:01:02
